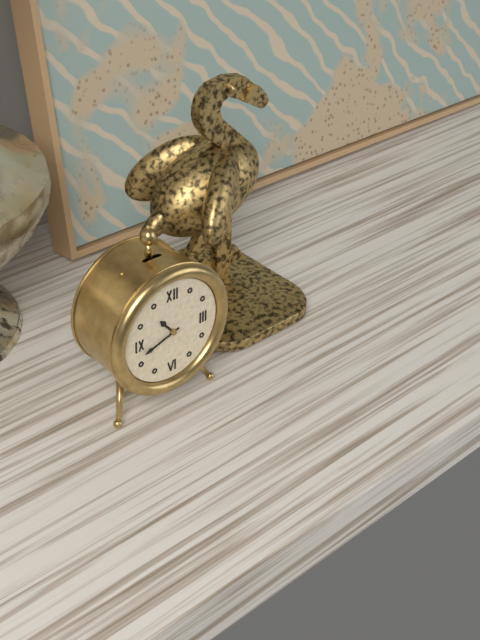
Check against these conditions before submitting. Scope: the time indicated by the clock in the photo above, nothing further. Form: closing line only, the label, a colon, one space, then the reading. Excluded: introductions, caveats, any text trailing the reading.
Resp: 10:42
